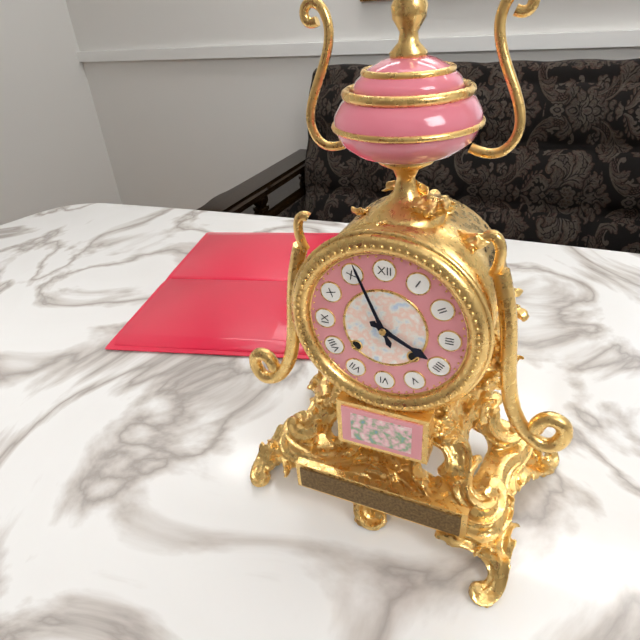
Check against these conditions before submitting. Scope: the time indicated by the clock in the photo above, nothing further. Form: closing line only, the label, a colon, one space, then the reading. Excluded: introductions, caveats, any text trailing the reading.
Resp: 3:56
